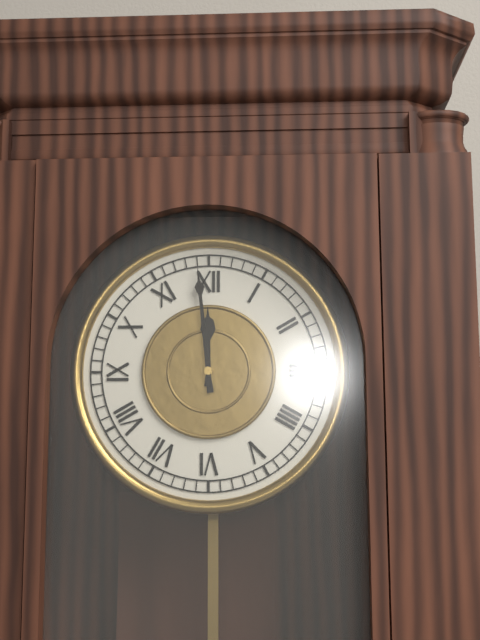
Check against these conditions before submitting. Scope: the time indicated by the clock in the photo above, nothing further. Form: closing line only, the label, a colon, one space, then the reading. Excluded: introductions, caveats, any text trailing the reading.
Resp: 11:59
